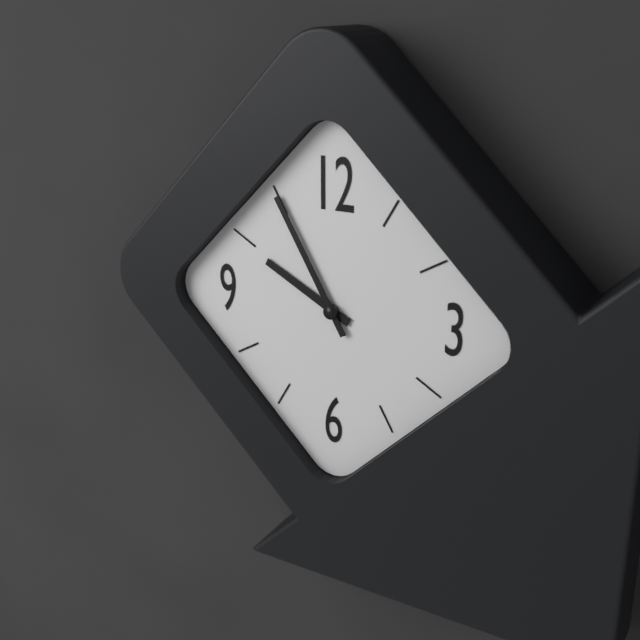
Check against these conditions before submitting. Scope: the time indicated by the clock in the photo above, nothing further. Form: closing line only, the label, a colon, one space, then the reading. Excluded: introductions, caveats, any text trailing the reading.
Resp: 9:55
